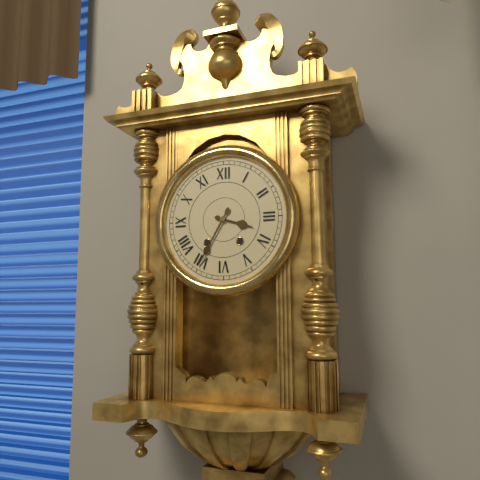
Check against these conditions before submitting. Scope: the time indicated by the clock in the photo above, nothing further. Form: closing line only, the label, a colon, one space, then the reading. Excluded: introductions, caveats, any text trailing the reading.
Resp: 3:35
